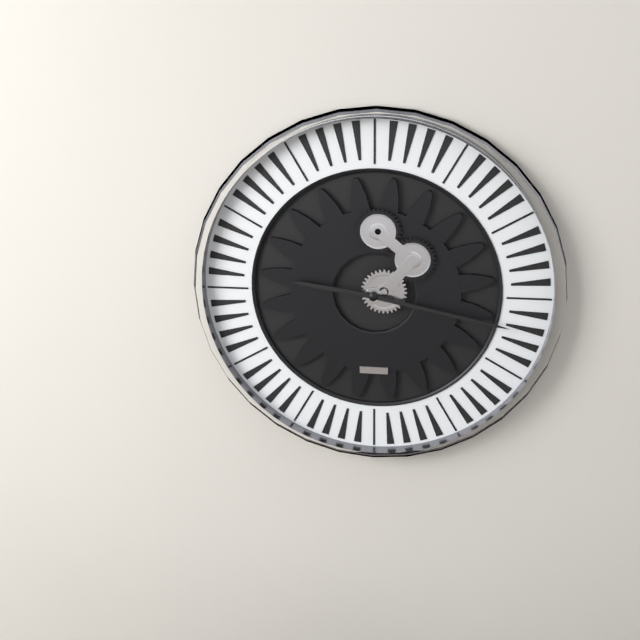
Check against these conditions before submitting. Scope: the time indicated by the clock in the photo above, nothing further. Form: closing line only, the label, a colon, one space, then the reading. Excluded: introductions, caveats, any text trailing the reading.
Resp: 9:17
